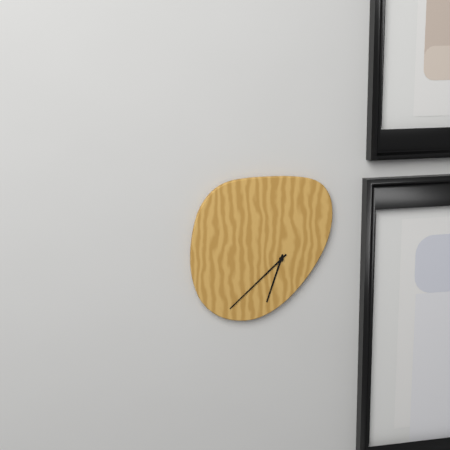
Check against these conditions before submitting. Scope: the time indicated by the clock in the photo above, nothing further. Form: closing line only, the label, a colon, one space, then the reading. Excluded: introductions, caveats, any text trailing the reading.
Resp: 6:38
